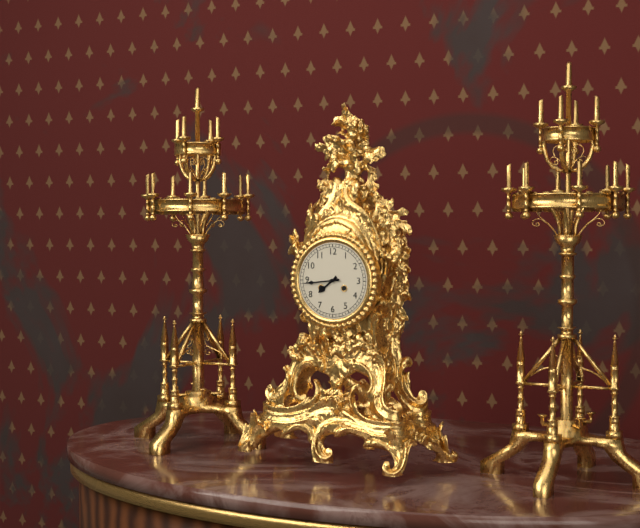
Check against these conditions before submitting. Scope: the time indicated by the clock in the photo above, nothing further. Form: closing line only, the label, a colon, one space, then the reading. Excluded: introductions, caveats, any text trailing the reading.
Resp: 7:44
